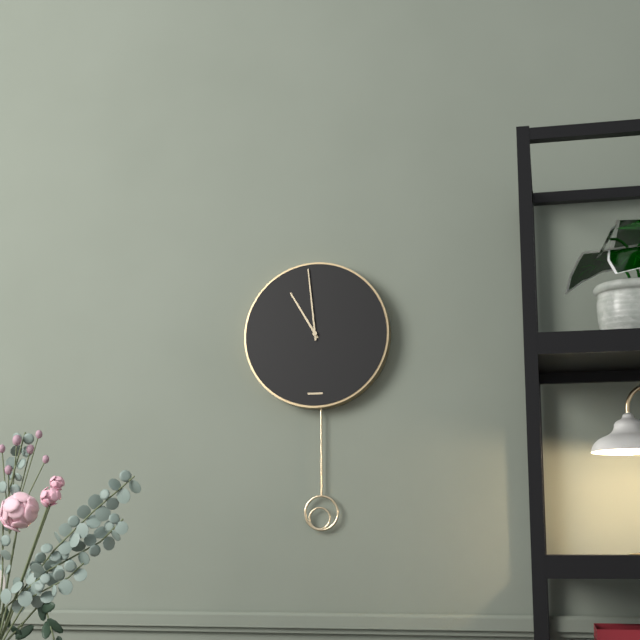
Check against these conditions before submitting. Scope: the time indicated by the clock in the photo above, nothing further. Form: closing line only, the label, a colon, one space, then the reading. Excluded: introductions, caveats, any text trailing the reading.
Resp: 10:59
